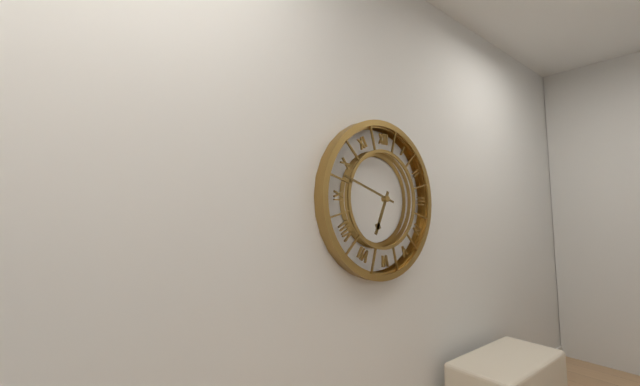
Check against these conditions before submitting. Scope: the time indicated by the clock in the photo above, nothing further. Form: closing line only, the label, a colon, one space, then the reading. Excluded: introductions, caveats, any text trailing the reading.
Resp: 6:48
